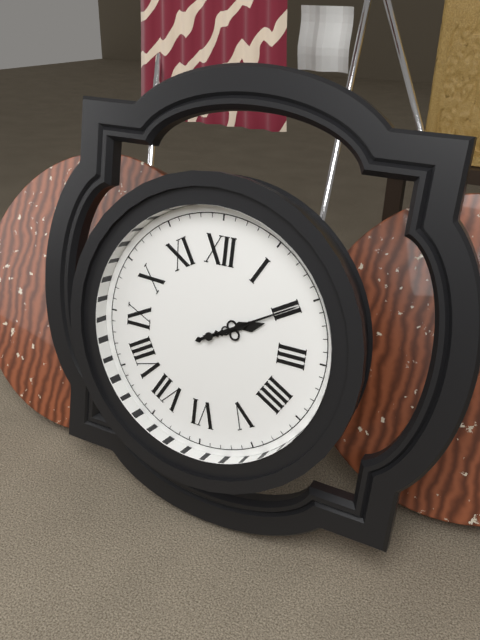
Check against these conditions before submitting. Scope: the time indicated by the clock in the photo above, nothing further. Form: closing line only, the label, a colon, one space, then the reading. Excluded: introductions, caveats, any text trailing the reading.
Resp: 2:10
